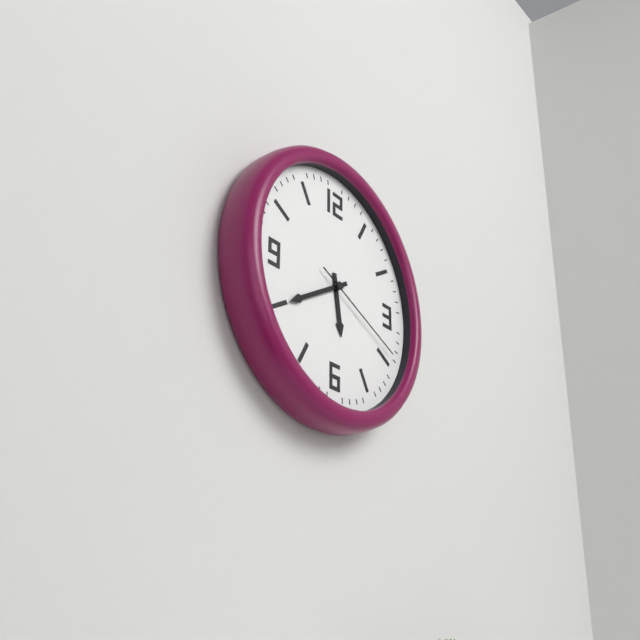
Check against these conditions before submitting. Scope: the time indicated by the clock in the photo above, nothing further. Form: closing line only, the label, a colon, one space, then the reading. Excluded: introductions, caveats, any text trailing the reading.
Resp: 5:40:19
